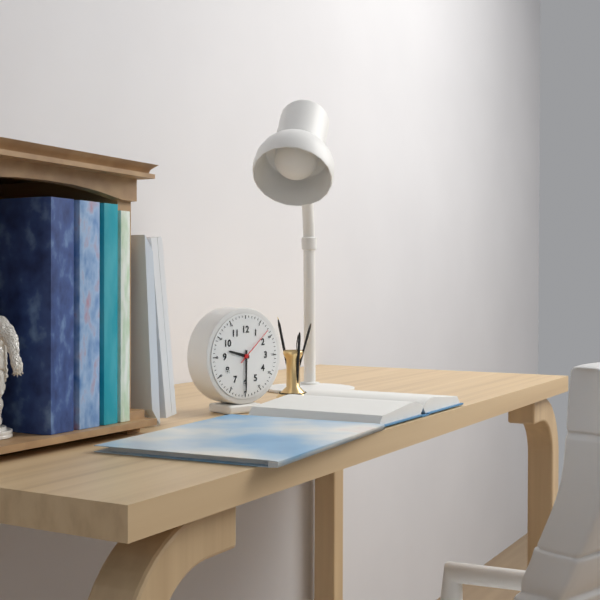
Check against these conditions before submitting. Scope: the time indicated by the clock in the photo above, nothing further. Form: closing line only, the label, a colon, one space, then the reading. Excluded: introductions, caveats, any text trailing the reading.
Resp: 9:30
